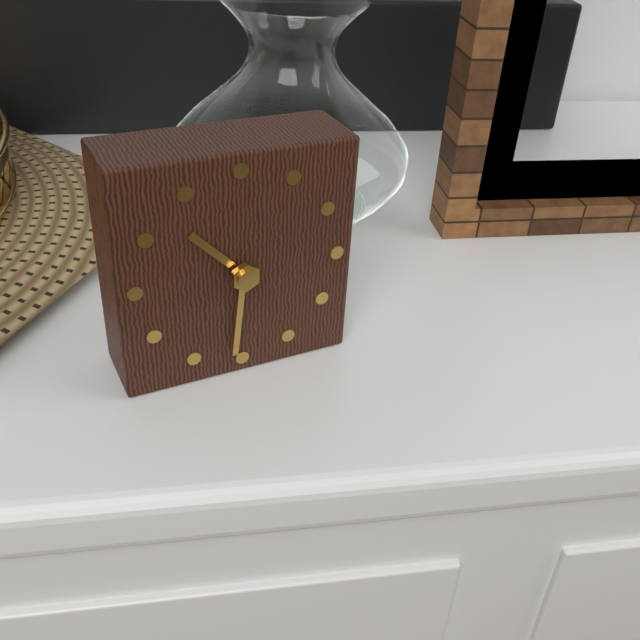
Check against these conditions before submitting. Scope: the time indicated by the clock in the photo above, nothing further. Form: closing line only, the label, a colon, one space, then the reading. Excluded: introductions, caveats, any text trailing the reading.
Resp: 10:31
